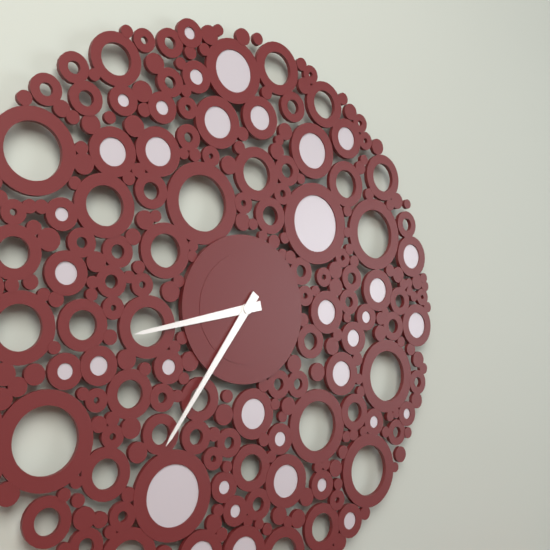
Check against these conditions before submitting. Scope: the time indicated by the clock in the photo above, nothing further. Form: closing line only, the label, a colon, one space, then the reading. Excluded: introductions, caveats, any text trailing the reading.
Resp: 8:36
